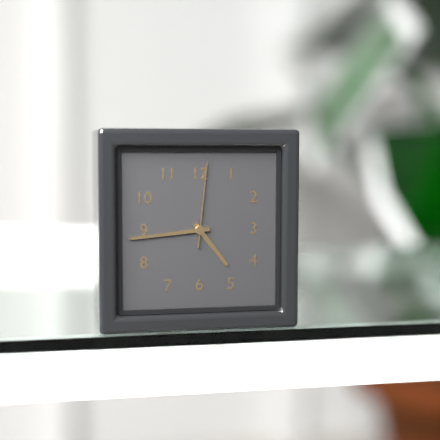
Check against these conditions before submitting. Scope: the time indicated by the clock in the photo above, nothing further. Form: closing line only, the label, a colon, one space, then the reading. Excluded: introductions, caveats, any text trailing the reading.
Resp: 4:44:01
